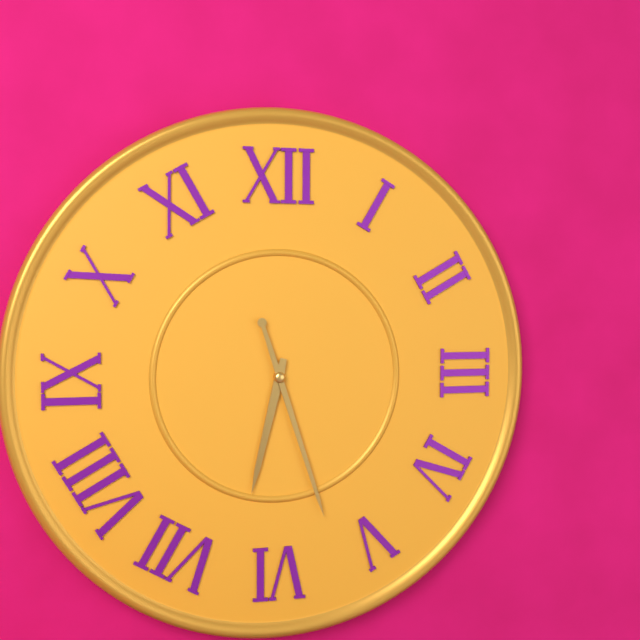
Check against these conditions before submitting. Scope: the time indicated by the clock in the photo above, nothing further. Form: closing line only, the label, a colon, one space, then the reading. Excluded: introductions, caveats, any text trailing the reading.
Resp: 6:27
